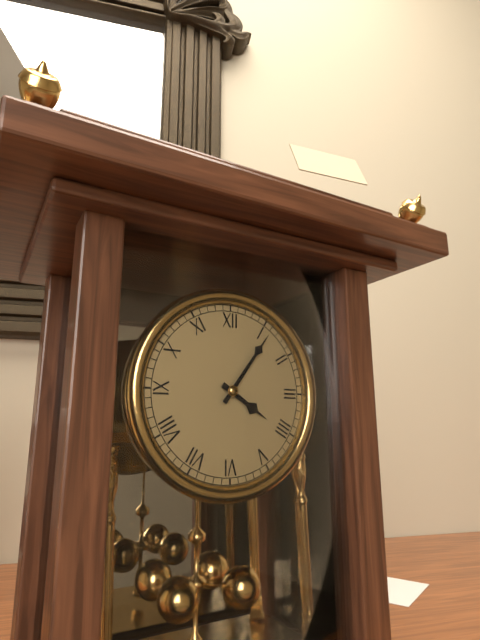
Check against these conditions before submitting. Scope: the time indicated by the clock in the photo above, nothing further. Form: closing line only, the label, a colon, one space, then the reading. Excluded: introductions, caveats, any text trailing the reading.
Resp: 4:06
